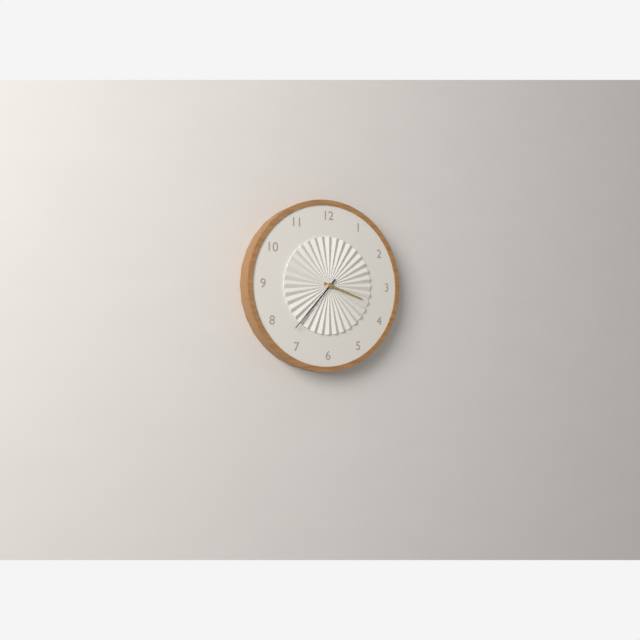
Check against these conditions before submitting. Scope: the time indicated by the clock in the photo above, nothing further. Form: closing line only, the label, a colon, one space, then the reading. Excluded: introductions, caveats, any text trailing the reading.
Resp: 3:37
